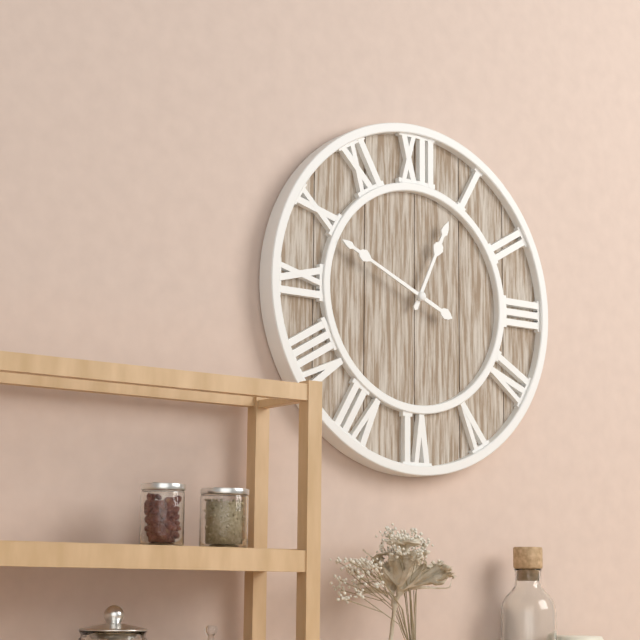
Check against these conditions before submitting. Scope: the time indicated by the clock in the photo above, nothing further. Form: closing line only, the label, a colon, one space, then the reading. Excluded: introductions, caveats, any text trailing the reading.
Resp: 12:49
